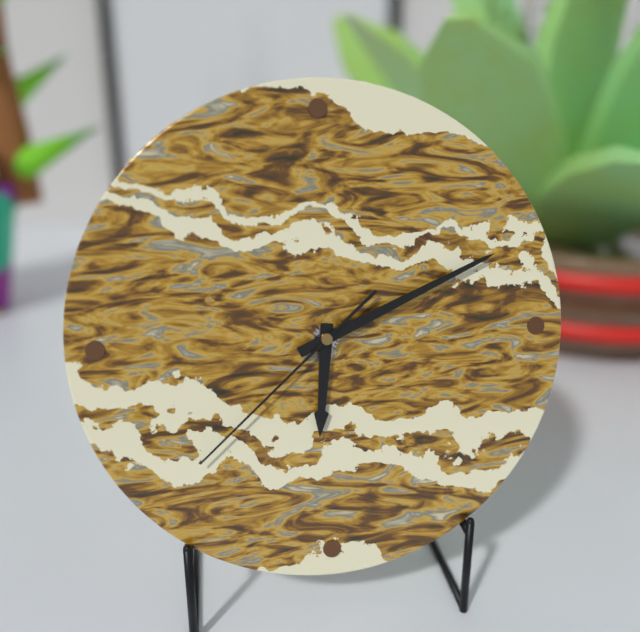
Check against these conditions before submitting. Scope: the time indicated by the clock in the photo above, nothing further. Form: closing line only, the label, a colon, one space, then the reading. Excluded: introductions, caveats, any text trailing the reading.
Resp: 6:11:38
